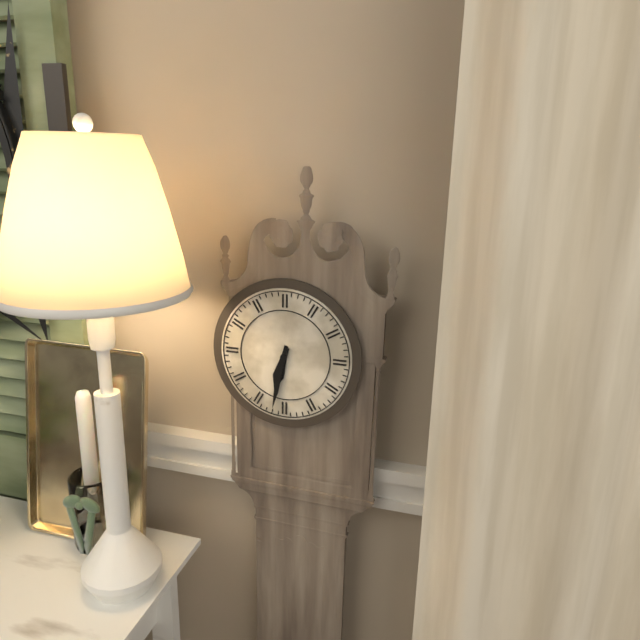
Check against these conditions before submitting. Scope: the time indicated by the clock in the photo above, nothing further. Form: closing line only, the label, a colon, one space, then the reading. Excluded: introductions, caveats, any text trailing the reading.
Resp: 6:32
